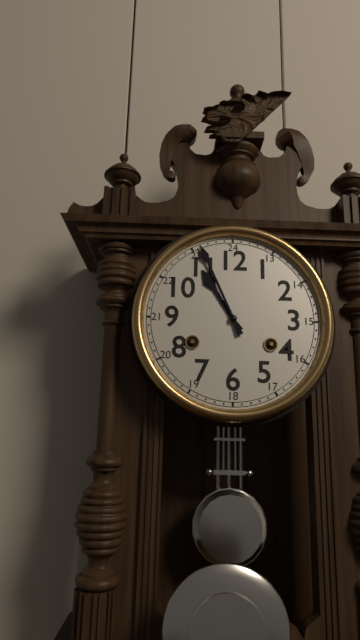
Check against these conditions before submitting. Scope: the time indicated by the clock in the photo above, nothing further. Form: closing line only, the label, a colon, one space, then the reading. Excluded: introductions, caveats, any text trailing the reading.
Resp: 10:56
